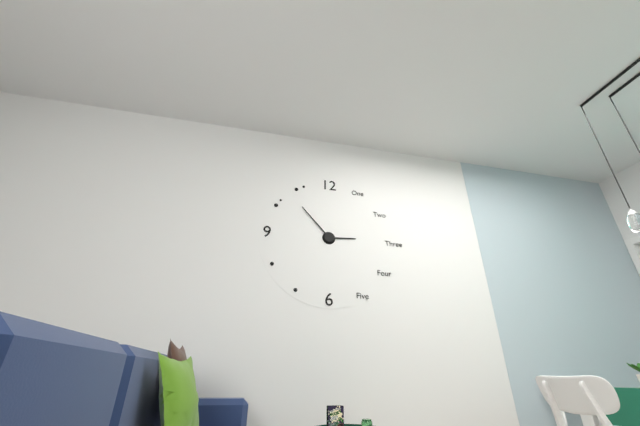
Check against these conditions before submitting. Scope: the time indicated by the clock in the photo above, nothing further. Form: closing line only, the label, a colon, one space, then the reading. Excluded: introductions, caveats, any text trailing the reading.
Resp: 2:53
